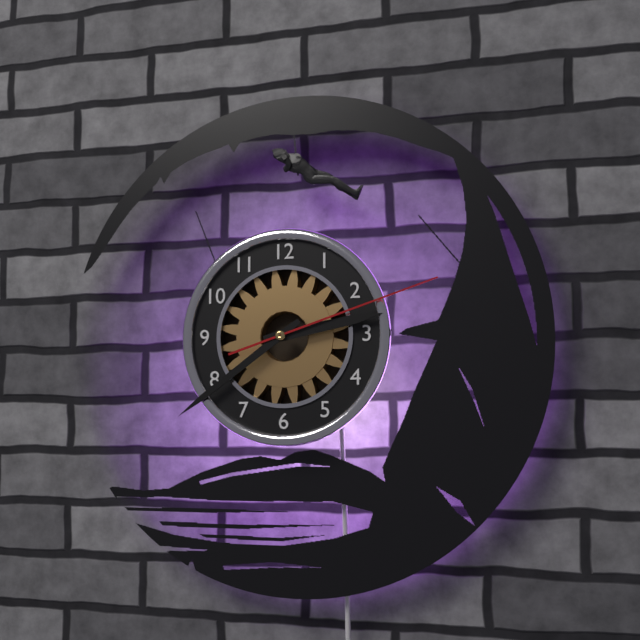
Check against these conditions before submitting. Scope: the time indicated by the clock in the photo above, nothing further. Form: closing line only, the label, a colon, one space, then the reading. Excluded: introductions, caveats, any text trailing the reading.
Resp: 2:39:12
